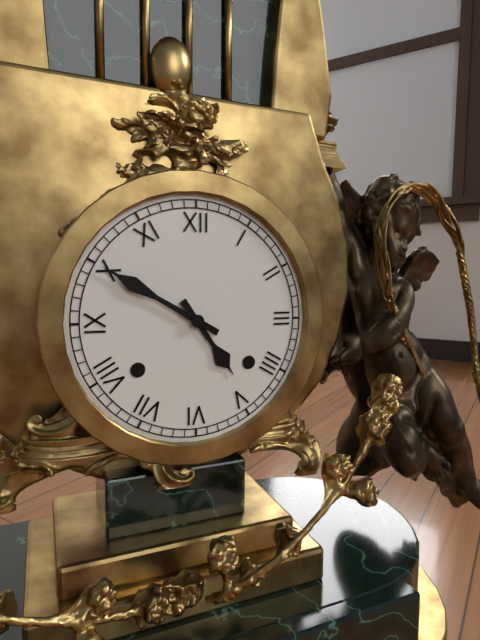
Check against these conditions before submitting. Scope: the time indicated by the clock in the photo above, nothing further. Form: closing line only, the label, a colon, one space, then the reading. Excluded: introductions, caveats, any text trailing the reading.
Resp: 4:50
